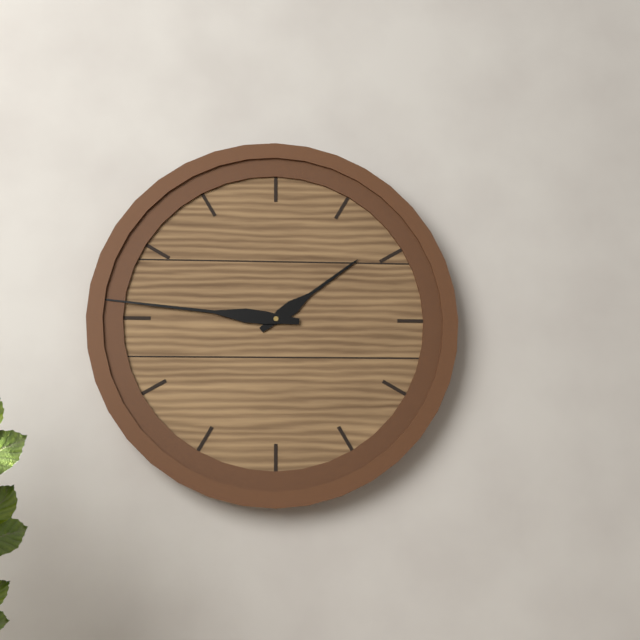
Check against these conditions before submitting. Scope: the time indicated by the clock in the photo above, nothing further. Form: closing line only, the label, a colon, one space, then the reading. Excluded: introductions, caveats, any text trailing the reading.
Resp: 1:46
